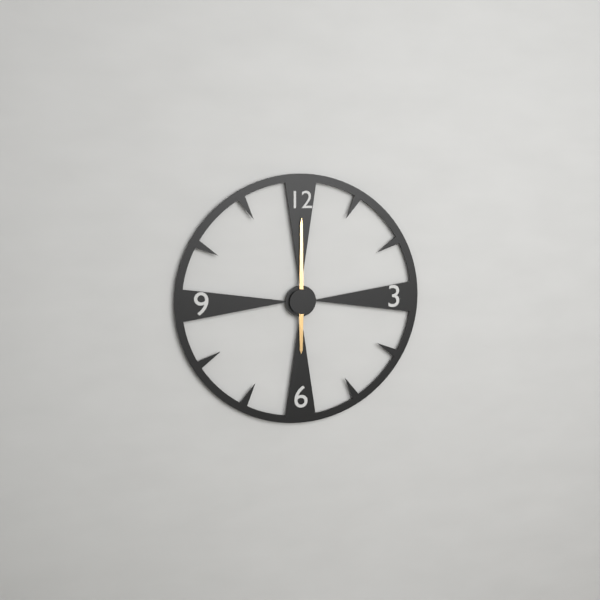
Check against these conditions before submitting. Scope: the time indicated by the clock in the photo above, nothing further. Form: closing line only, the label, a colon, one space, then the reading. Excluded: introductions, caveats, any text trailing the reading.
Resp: 6:00
